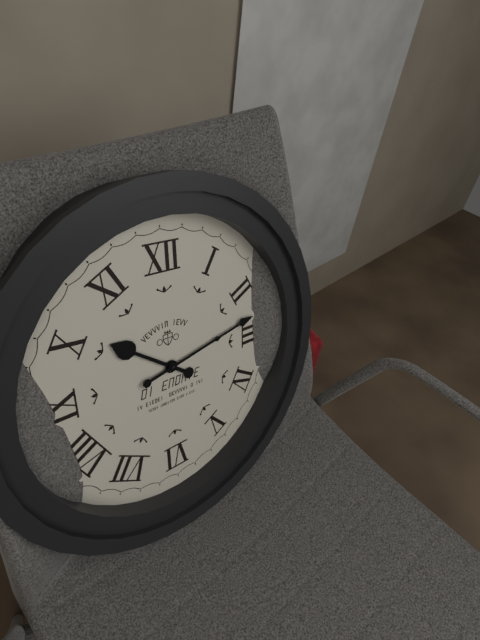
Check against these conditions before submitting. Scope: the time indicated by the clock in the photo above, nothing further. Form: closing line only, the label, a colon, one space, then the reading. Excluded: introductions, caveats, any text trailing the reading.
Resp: 10:13
